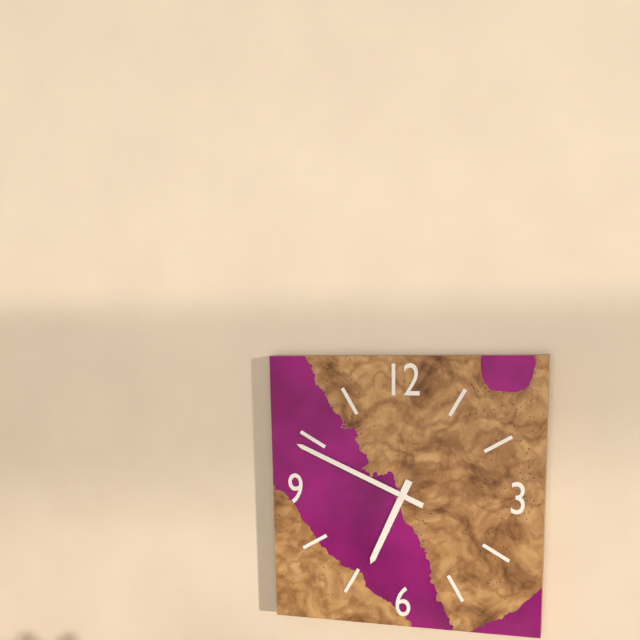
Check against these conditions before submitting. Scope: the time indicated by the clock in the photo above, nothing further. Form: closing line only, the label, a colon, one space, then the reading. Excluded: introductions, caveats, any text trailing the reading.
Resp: 6:49
